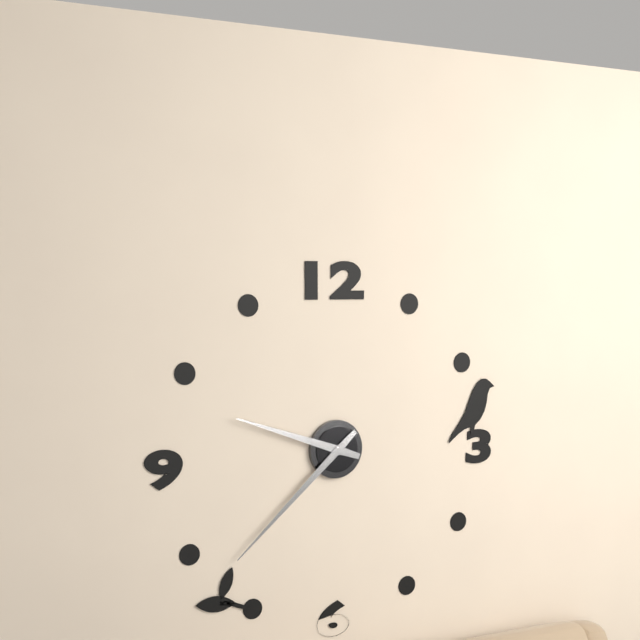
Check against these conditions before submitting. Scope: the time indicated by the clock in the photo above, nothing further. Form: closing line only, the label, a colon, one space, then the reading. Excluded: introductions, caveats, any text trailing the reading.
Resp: 9:38
